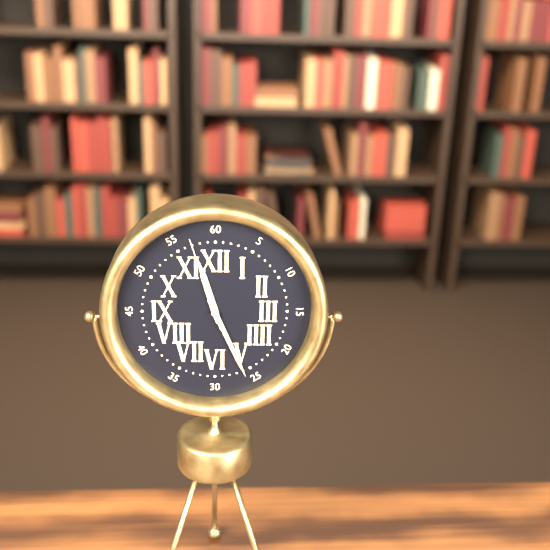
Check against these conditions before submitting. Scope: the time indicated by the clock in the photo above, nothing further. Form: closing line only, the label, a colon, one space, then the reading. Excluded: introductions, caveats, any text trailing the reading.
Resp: 11:26:57
